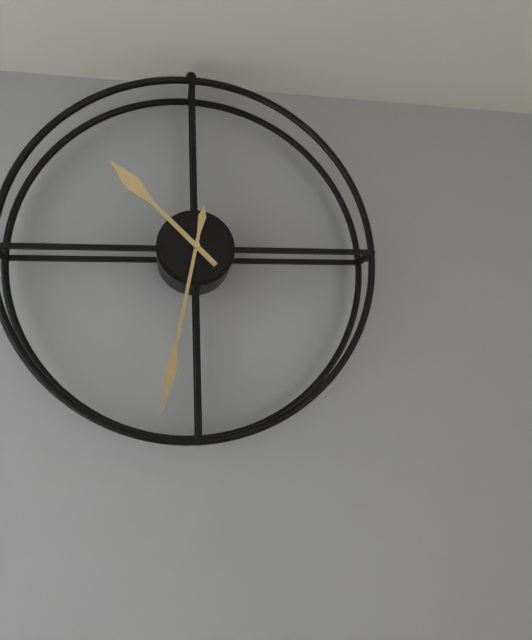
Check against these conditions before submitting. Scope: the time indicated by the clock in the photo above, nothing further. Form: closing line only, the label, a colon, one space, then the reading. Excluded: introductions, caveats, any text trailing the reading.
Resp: 10:32
